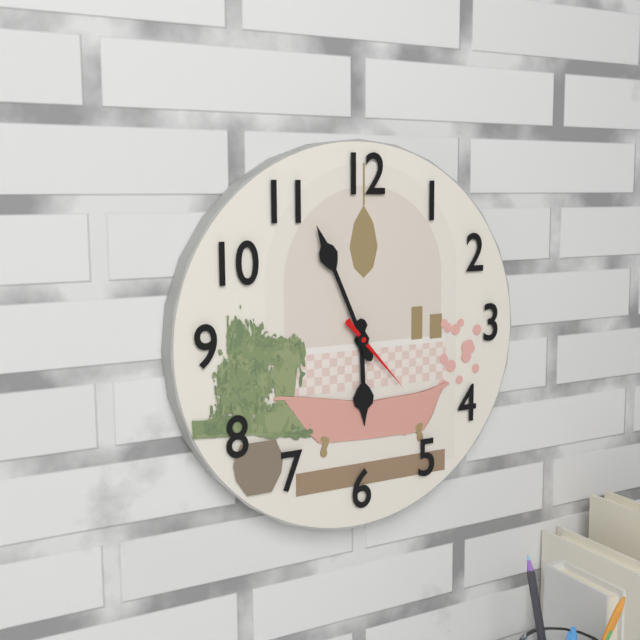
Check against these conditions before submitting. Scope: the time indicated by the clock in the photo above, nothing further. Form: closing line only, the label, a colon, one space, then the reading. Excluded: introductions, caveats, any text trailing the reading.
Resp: 5:56:23
